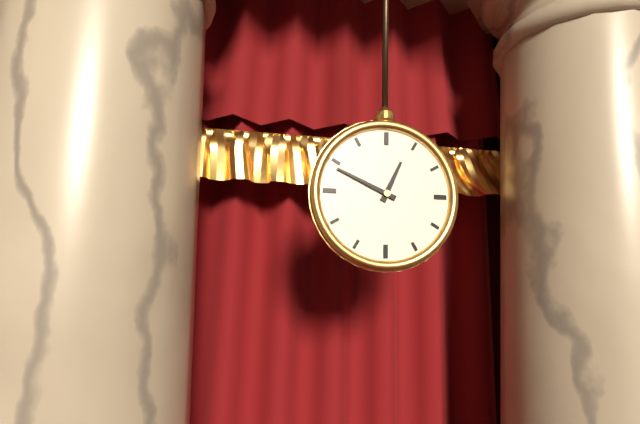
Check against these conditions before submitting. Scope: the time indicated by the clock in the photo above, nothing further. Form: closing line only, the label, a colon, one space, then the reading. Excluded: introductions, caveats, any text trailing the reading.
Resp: 12:49
